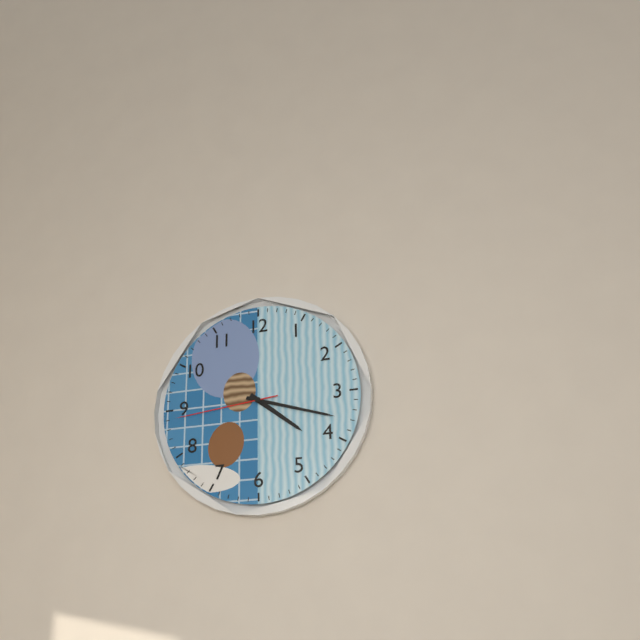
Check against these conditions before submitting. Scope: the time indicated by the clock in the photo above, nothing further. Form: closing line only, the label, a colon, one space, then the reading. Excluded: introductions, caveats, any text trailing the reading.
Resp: 4:18:44
